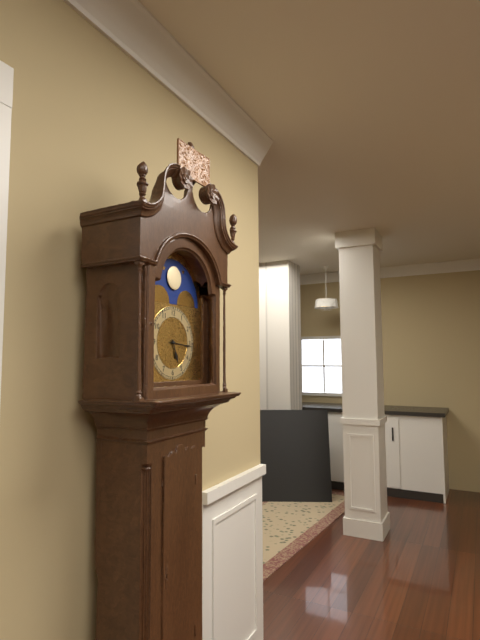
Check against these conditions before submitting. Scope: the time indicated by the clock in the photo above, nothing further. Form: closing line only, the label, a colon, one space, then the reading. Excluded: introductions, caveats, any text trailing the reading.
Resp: 5:16
